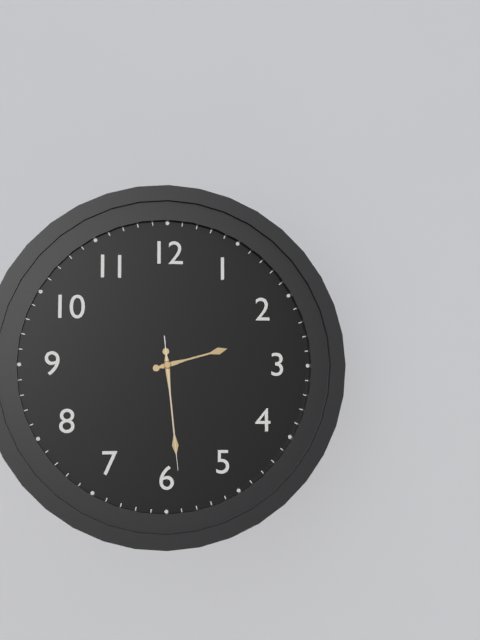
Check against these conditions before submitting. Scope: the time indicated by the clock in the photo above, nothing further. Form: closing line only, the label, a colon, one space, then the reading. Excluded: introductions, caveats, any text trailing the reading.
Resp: 2:29:29
